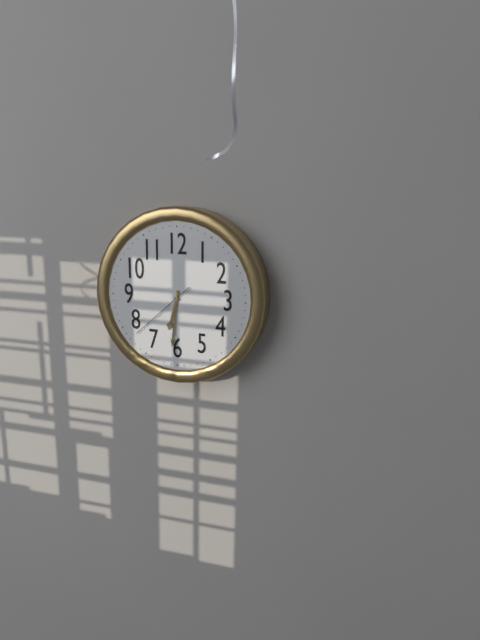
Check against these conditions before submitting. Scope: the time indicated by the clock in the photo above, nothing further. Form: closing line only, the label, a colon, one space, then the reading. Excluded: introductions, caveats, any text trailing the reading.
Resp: 6:31:38
